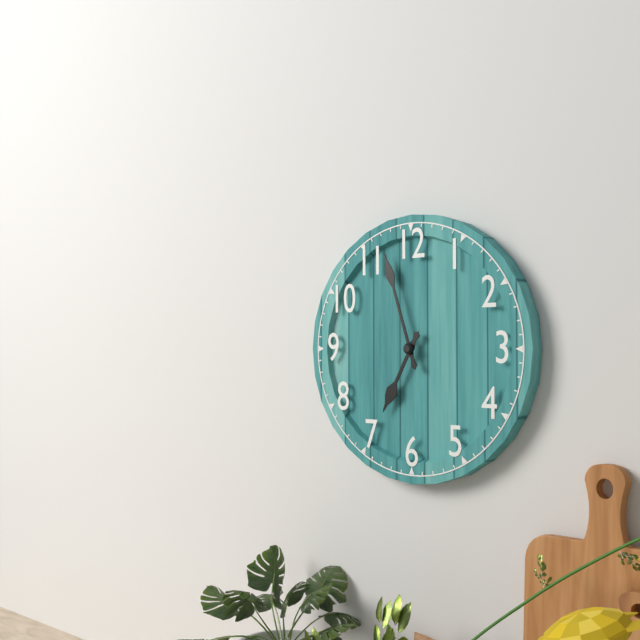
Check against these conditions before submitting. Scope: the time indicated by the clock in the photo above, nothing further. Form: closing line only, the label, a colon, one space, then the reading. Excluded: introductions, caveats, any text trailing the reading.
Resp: 6:57
